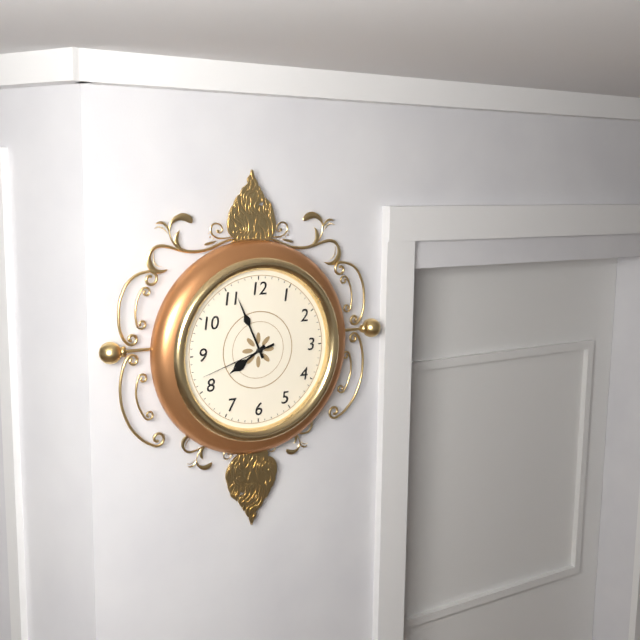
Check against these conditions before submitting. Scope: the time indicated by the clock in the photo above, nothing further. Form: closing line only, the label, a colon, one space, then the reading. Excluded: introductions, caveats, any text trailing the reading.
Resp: 7:56:42
